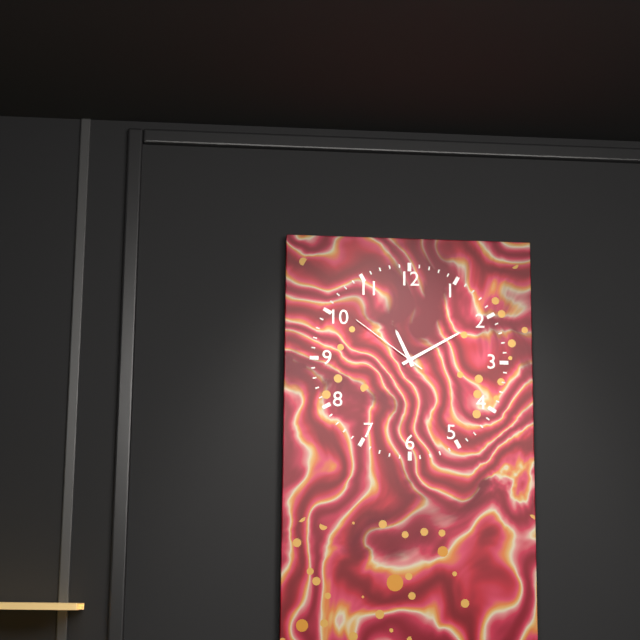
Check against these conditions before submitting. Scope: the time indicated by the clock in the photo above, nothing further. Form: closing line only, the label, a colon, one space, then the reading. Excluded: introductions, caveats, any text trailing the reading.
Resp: 11:10:51
